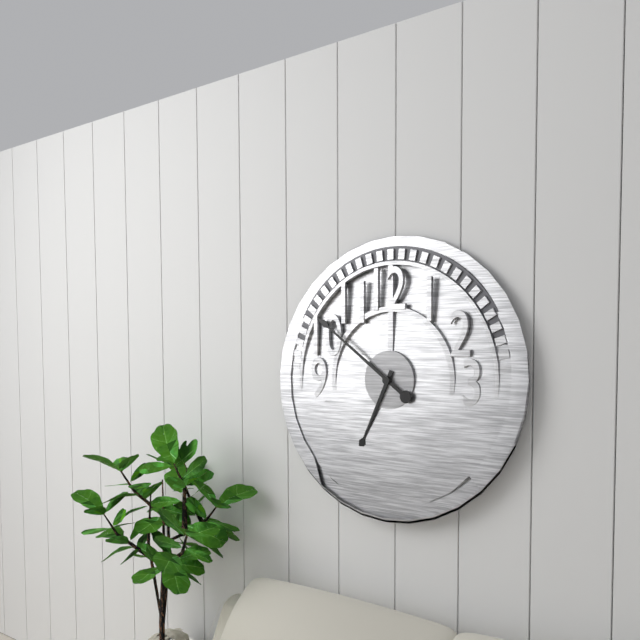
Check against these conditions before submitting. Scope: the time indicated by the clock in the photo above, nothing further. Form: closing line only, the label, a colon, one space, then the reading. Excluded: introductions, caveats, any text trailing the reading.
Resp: 6:51
